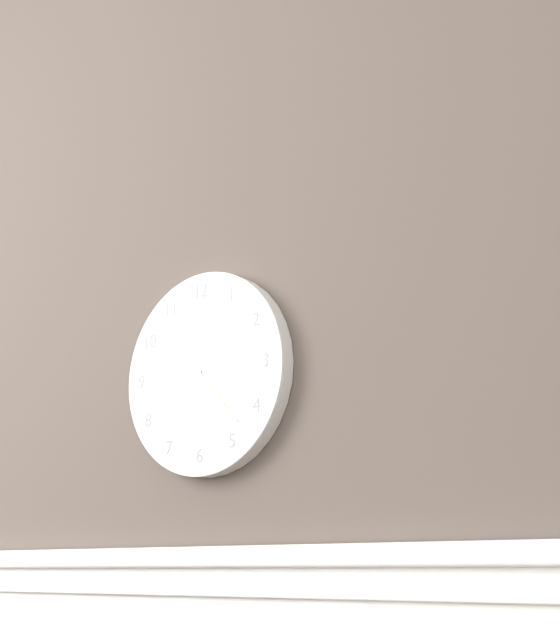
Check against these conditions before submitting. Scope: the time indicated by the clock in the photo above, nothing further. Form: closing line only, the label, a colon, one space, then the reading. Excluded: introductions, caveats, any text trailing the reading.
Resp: 11:23
